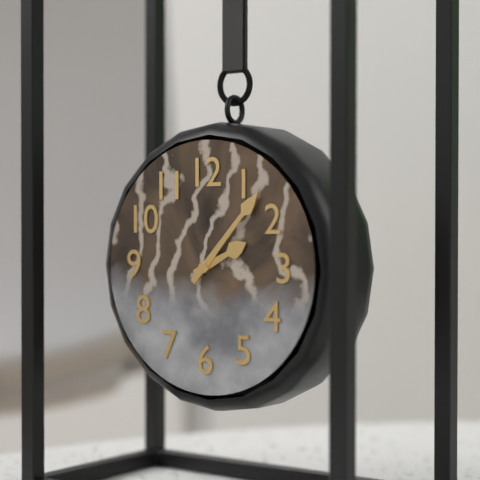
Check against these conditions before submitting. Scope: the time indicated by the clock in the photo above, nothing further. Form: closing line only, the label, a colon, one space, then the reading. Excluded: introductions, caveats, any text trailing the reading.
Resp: 2:07
